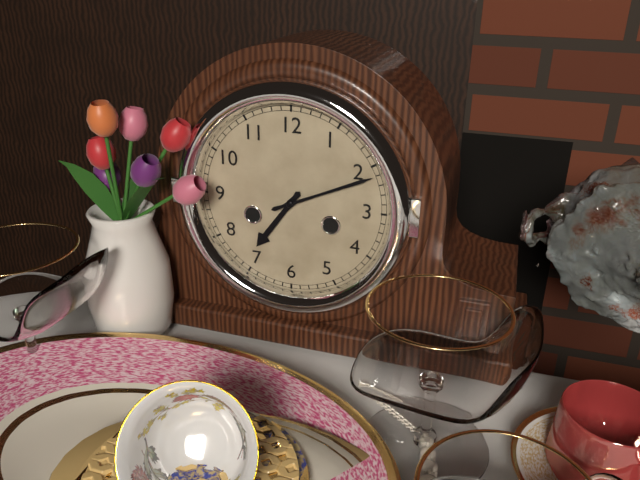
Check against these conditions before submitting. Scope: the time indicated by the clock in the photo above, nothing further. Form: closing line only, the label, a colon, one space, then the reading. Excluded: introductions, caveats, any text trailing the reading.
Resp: 7:11
